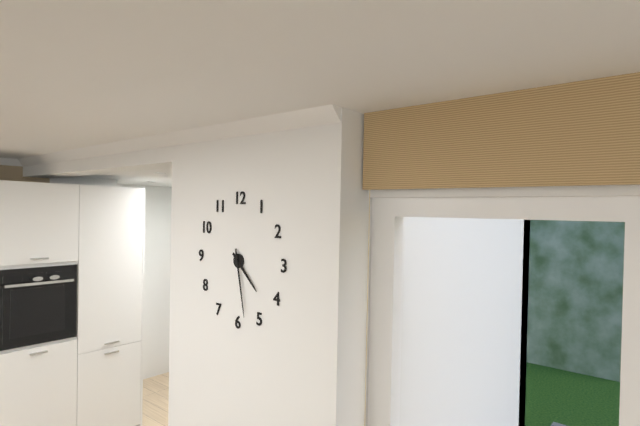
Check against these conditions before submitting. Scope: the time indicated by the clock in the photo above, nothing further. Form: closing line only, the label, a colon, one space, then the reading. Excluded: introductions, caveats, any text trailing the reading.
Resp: 4:28
